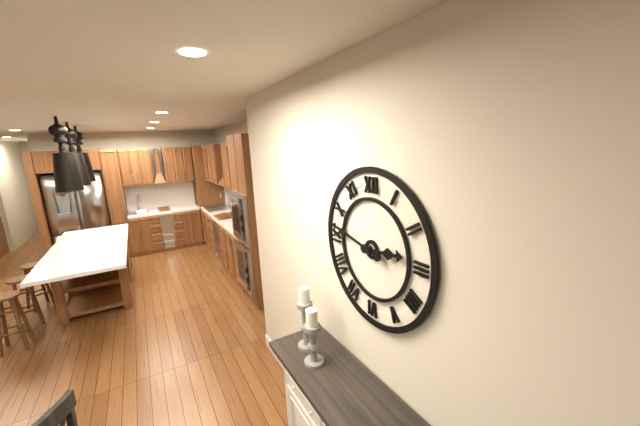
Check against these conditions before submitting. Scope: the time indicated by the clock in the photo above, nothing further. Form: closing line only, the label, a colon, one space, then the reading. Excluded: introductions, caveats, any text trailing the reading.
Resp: 2:47
